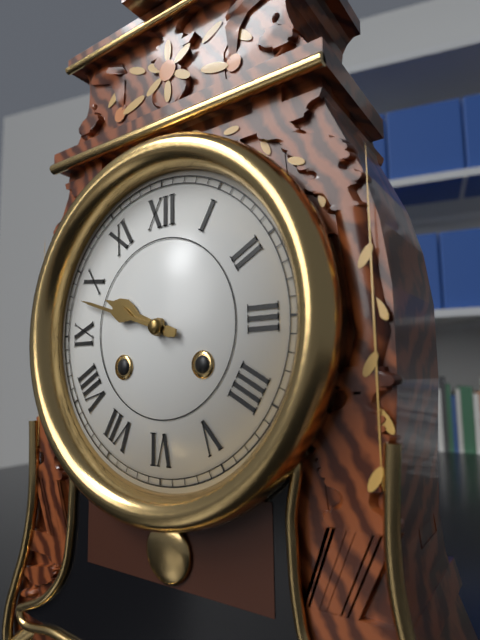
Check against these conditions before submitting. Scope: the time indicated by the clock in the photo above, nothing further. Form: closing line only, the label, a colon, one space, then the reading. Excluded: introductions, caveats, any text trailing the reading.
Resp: 9:48
